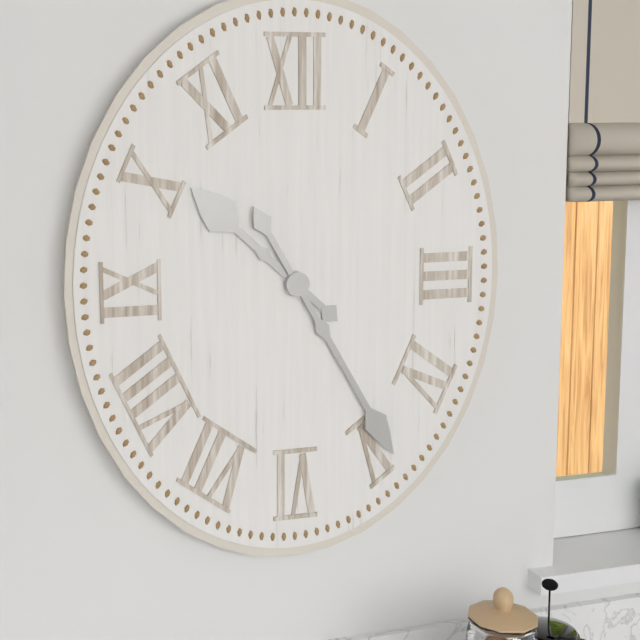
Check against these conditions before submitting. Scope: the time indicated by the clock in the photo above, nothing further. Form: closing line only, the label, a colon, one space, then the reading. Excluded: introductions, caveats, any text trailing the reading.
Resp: 10:25
